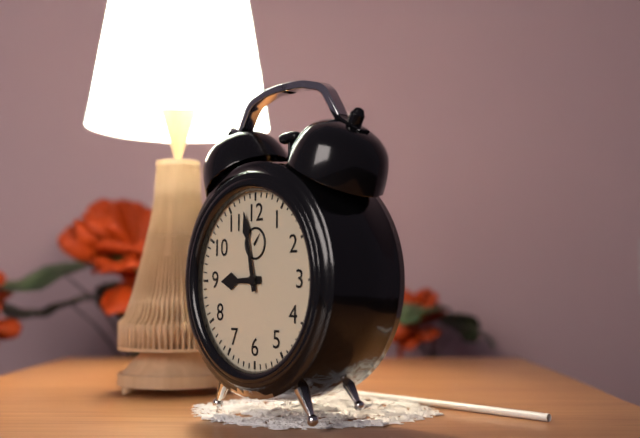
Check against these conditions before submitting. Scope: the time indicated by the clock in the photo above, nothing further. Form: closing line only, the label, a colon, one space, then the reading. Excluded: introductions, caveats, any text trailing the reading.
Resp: 8:58
